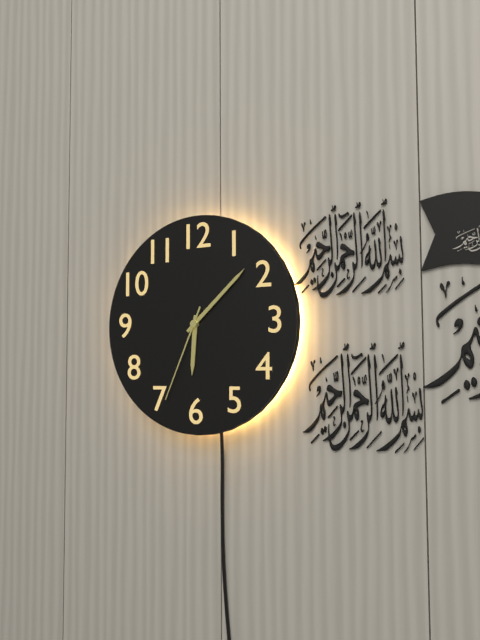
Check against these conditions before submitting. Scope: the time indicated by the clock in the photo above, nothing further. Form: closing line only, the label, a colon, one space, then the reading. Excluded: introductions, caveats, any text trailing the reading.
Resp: 6:08:34
